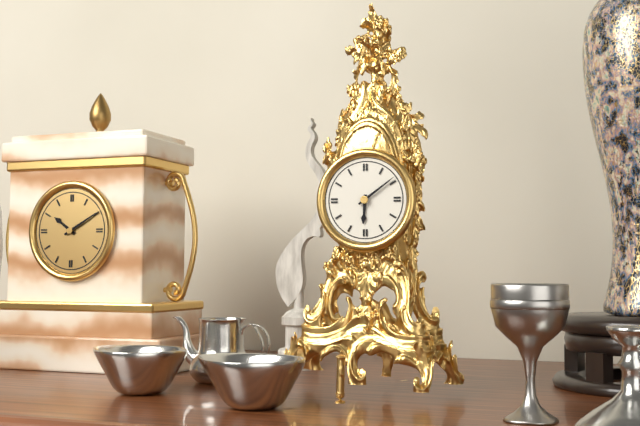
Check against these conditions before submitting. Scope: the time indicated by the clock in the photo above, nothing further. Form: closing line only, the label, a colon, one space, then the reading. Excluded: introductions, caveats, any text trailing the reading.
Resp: 6:09
